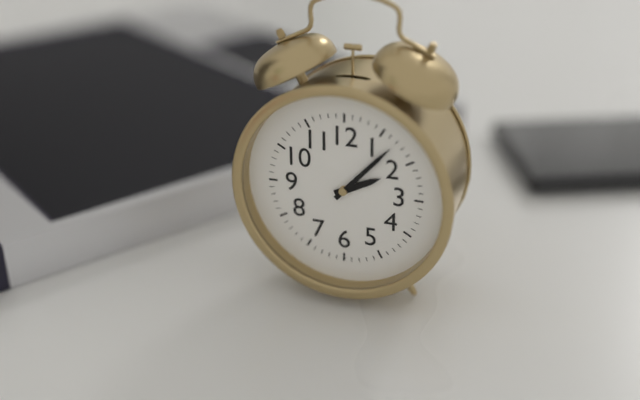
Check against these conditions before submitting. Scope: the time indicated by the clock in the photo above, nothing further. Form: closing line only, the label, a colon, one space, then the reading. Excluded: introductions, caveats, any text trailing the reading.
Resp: 2:07
